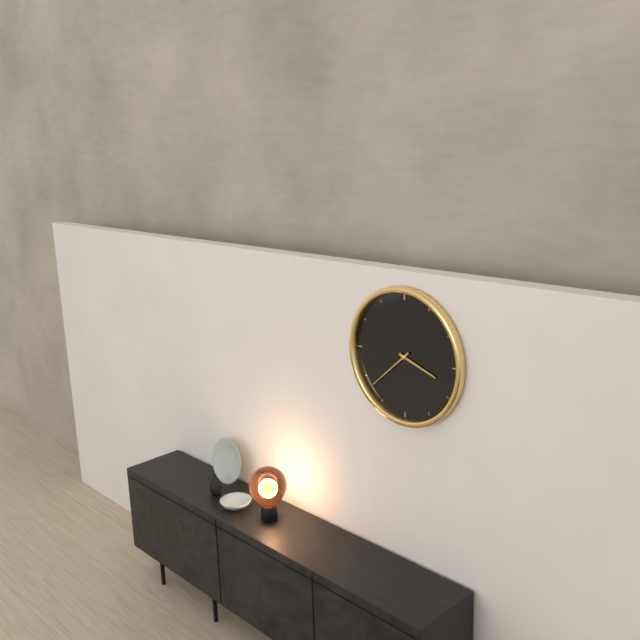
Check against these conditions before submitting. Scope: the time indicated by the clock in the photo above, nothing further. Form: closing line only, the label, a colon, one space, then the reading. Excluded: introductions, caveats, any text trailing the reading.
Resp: 3:38
